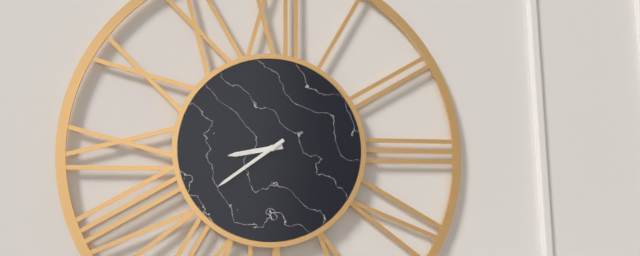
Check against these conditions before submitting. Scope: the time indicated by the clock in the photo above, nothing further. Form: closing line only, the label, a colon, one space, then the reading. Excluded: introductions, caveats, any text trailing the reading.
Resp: 8:39
